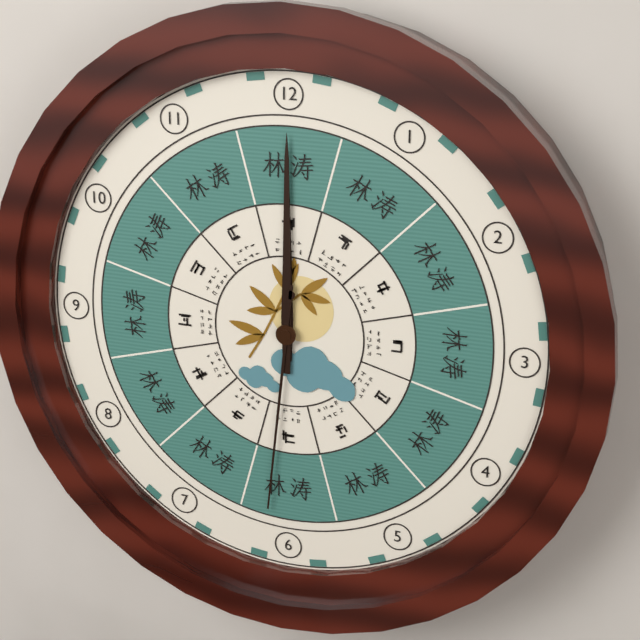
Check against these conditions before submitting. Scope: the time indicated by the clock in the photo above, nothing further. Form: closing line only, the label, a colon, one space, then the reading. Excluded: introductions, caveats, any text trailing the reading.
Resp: 12:00:31
